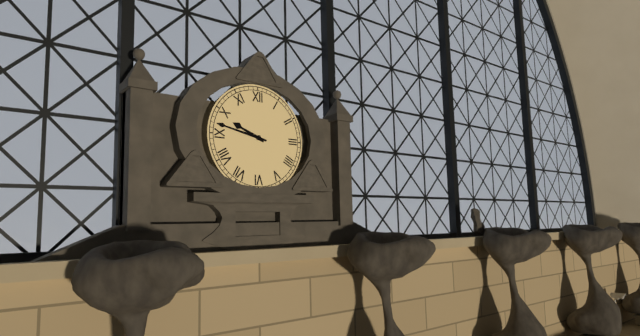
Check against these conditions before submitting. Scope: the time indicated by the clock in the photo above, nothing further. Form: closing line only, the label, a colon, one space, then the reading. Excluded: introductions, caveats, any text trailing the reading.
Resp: 9:47
